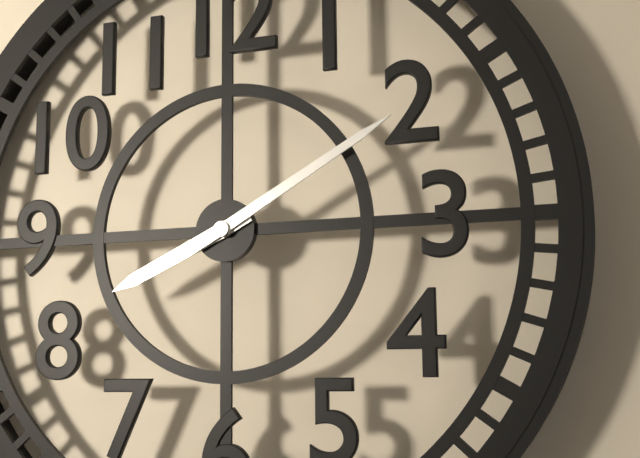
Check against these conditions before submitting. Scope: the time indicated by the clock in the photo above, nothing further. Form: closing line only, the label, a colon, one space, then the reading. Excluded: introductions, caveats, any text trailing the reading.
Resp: 8:10
